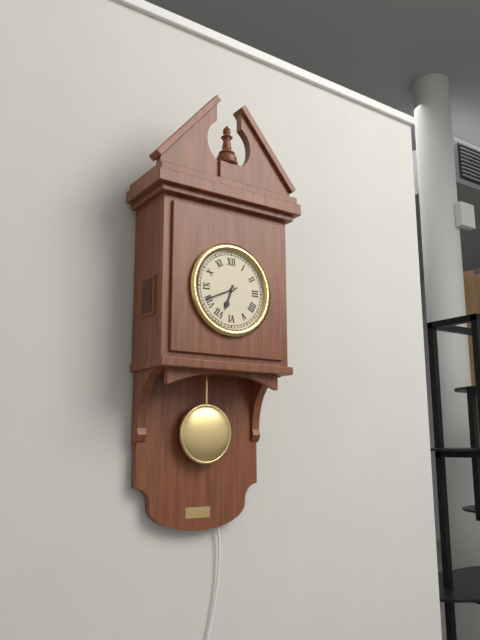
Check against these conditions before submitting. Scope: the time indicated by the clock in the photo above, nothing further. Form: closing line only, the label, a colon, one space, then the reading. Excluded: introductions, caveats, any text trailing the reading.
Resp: 6:41
